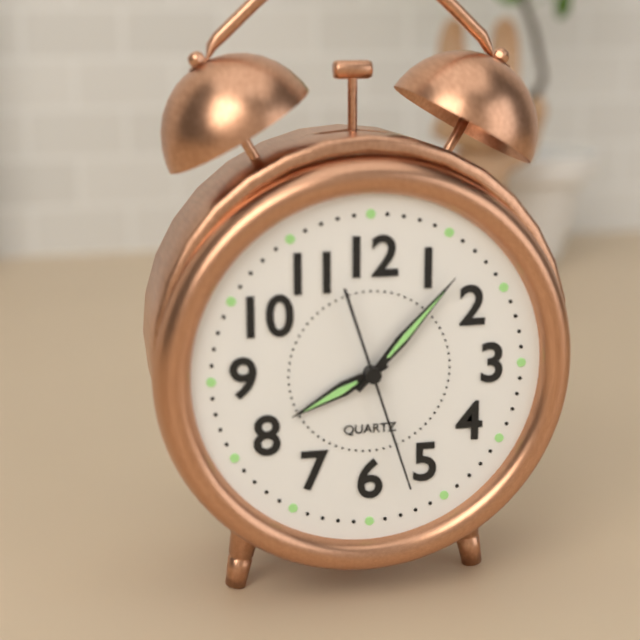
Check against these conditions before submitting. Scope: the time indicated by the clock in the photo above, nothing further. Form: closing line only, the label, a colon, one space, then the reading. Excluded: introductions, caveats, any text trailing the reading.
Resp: 8:07:27
